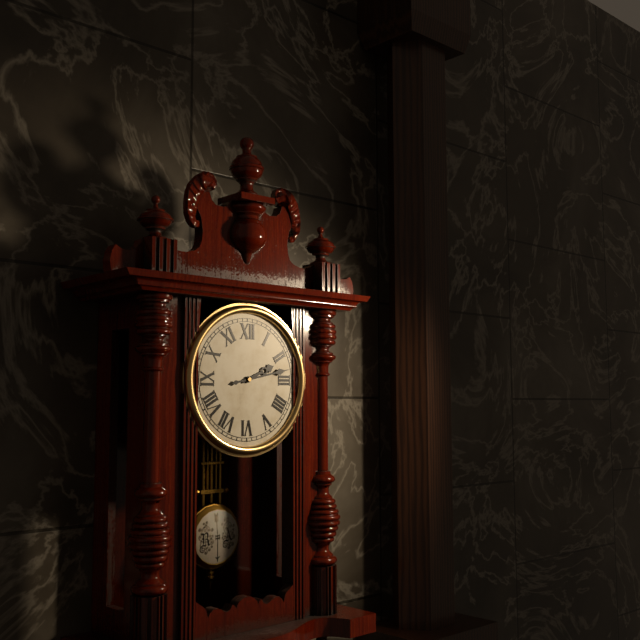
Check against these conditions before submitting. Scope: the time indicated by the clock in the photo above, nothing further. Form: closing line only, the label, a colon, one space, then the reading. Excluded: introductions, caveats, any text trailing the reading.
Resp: 2:13
